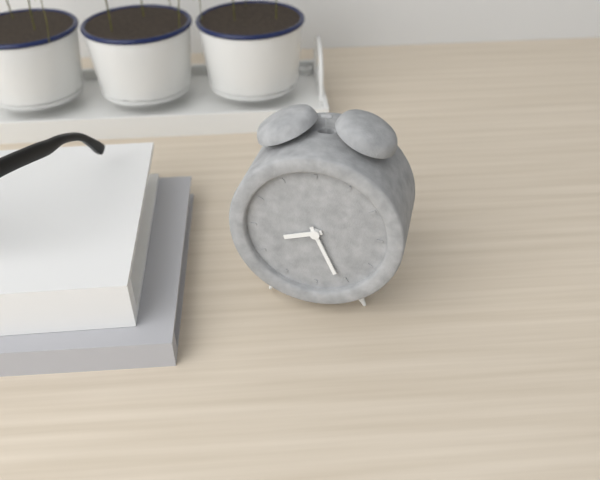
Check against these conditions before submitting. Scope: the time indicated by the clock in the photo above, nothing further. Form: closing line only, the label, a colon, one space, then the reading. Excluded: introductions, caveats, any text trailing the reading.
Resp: 8:26
